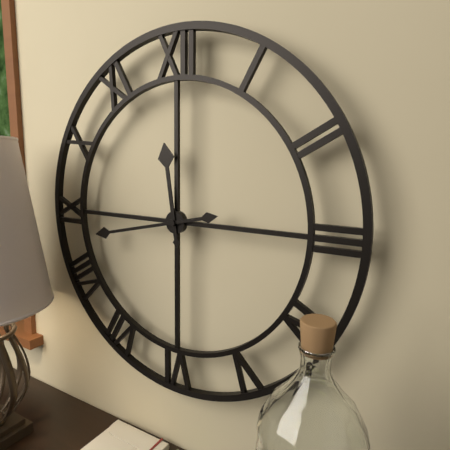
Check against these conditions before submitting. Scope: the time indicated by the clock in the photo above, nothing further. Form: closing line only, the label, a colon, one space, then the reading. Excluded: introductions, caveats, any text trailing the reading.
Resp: 11:43
